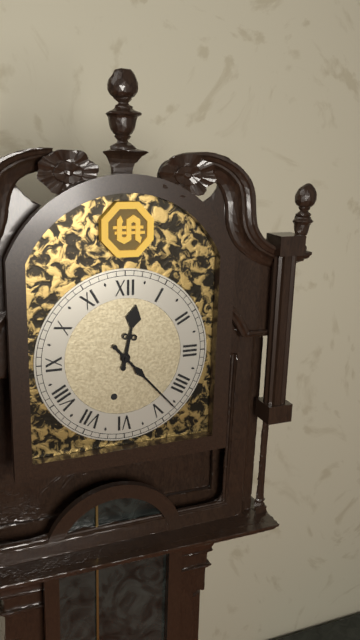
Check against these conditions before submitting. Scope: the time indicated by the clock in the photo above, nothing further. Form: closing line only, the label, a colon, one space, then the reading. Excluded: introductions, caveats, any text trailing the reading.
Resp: 12:23
